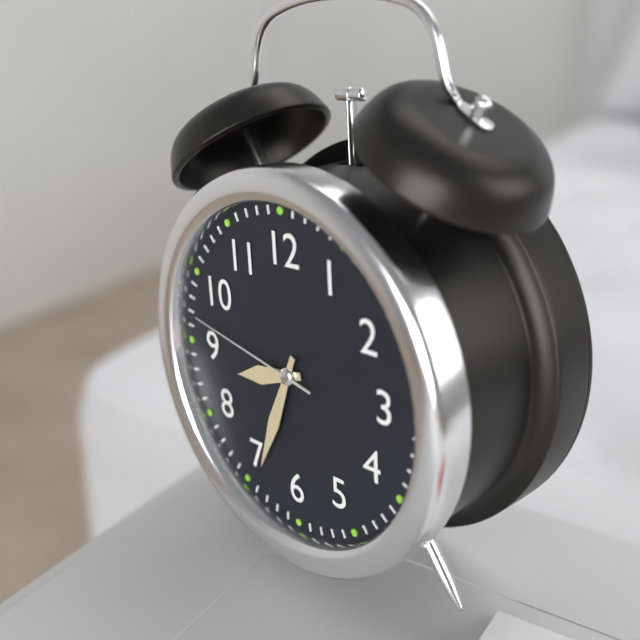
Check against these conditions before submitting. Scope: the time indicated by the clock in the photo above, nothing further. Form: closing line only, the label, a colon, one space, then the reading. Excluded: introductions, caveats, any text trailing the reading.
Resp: 8:34:47
